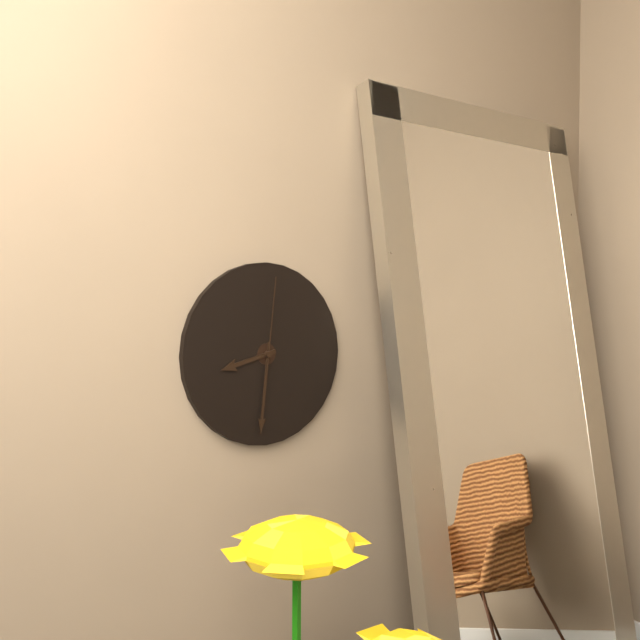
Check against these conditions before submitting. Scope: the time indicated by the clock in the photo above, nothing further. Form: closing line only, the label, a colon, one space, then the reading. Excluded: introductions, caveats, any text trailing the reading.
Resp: 8:31:01
